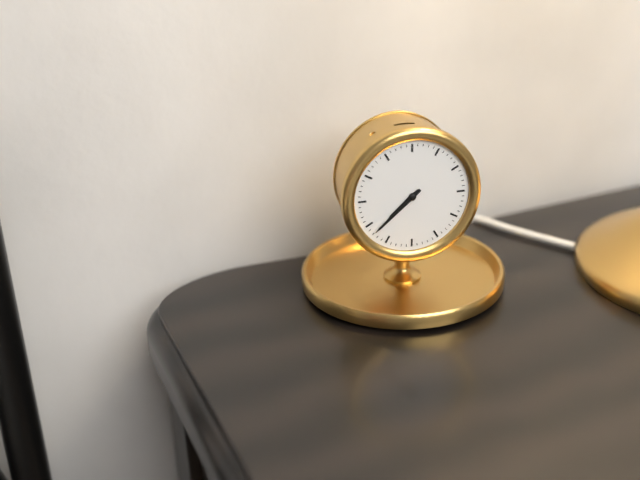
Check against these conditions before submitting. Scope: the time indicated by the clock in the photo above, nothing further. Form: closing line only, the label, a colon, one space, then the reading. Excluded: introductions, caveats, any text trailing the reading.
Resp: 7:38
